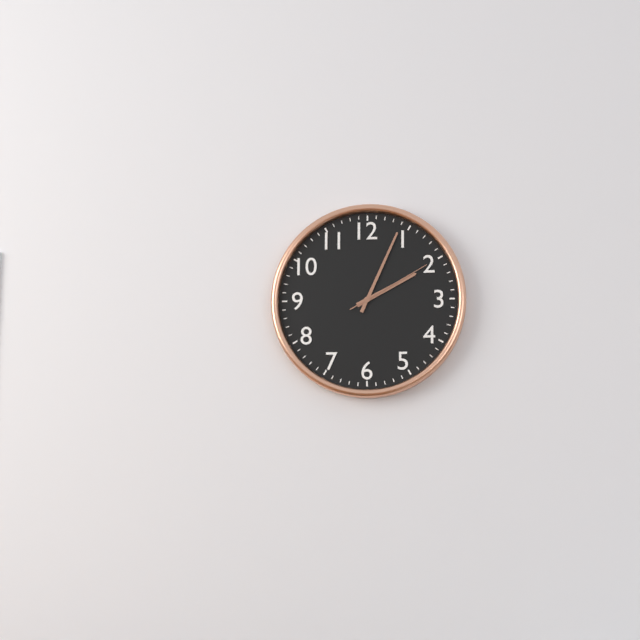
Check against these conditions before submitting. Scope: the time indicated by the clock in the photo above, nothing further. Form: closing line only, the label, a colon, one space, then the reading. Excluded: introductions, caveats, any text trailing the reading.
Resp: 2:04:10
